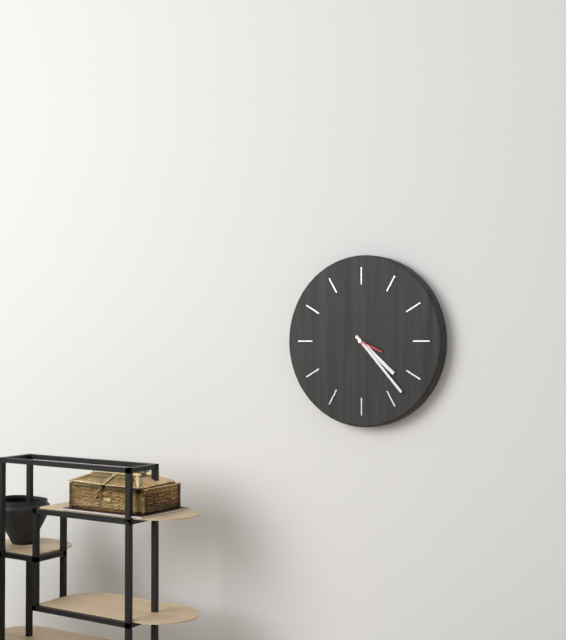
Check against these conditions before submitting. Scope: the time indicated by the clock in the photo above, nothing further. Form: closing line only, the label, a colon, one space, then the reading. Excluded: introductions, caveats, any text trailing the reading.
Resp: 4:23
